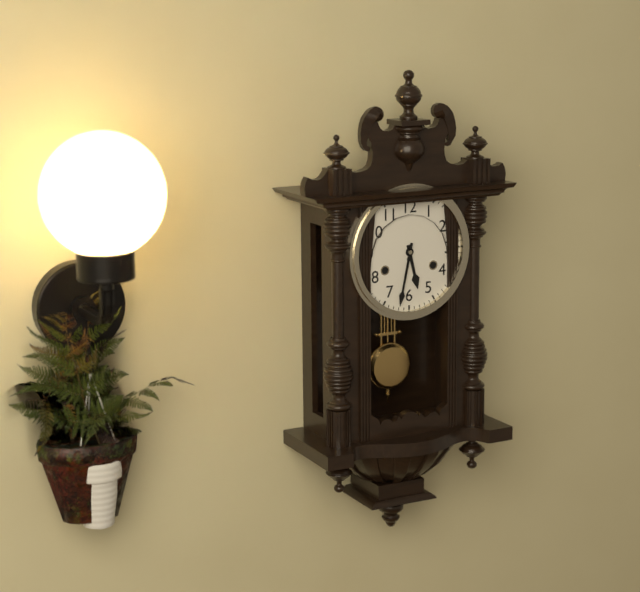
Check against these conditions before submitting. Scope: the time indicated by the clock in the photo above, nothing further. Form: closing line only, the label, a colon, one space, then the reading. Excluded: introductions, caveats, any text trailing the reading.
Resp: 5:32
